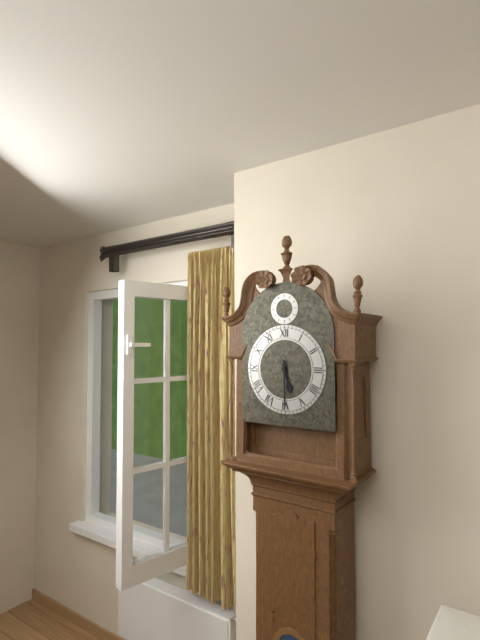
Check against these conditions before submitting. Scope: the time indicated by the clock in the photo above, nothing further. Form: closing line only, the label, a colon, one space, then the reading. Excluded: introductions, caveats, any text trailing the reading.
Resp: 5:30
